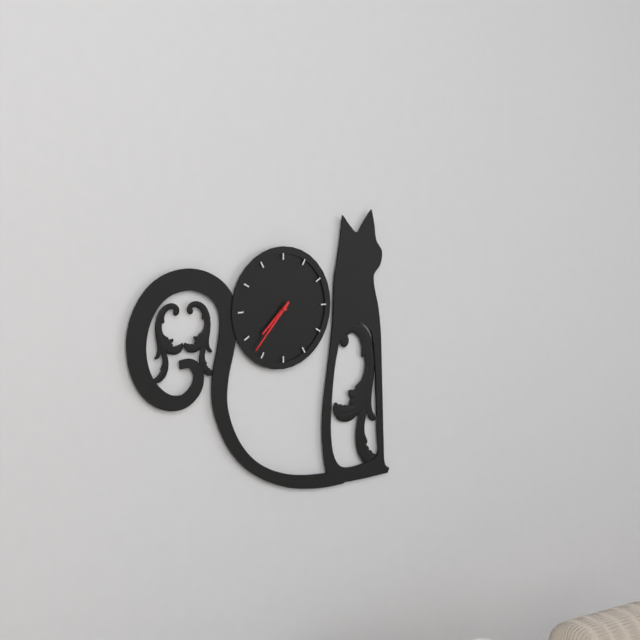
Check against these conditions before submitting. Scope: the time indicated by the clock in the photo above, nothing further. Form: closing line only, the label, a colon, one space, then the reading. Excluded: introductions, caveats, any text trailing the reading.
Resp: 7:37
